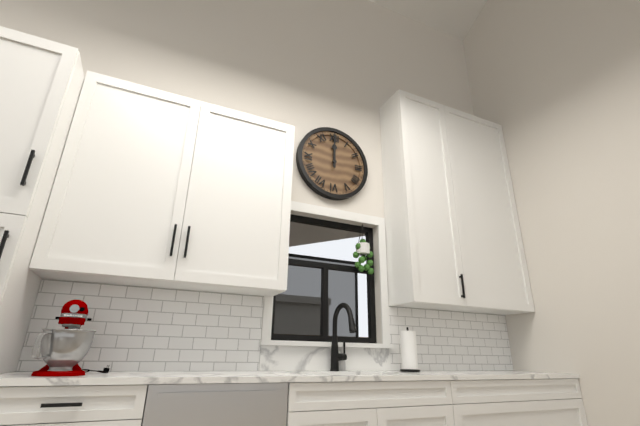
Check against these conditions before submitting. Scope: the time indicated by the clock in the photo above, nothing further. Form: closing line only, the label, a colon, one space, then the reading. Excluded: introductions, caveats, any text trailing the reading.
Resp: 12:00
